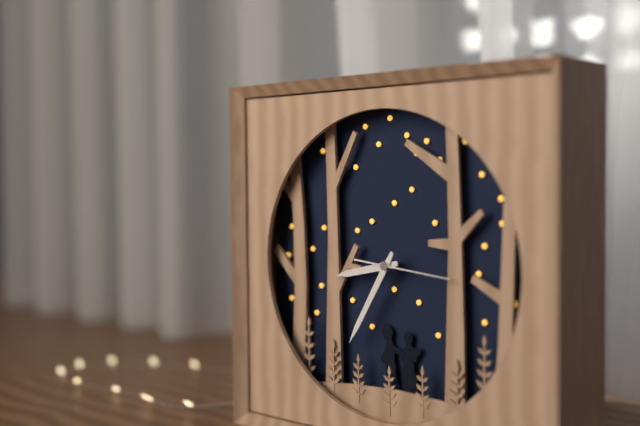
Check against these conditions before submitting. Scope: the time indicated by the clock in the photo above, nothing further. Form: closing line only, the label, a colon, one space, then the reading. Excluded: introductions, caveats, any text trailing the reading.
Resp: 8:35:16
